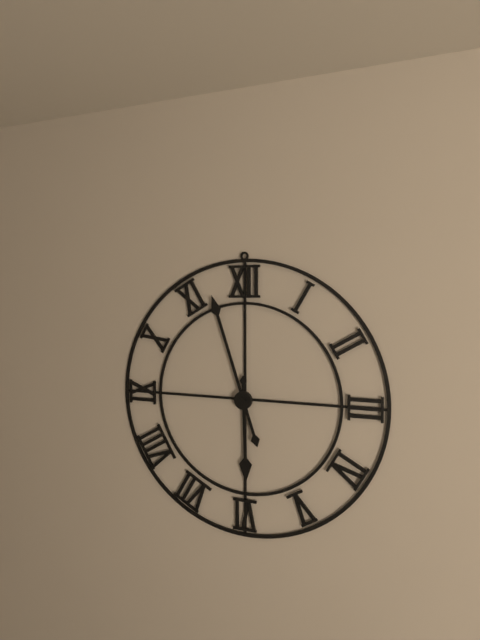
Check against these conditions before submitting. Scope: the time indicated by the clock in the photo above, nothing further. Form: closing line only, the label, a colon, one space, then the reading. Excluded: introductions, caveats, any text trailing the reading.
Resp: 5:57
